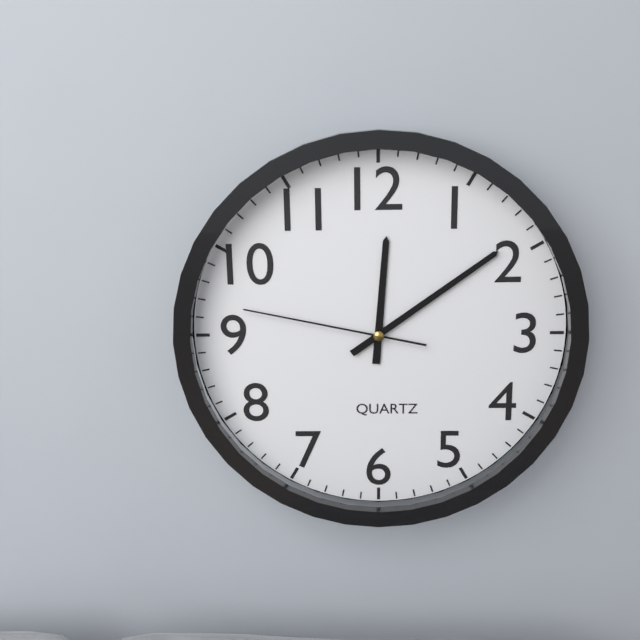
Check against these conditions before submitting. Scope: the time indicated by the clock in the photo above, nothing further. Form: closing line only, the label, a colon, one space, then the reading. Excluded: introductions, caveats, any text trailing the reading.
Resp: 12:09:47
